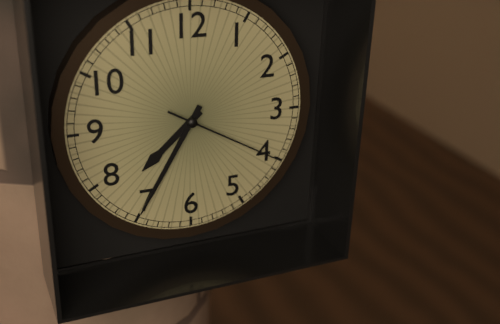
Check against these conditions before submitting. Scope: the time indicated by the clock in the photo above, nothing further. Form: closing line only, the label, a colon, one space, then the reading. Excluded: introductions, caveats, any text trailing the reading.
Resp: 7:35:20
